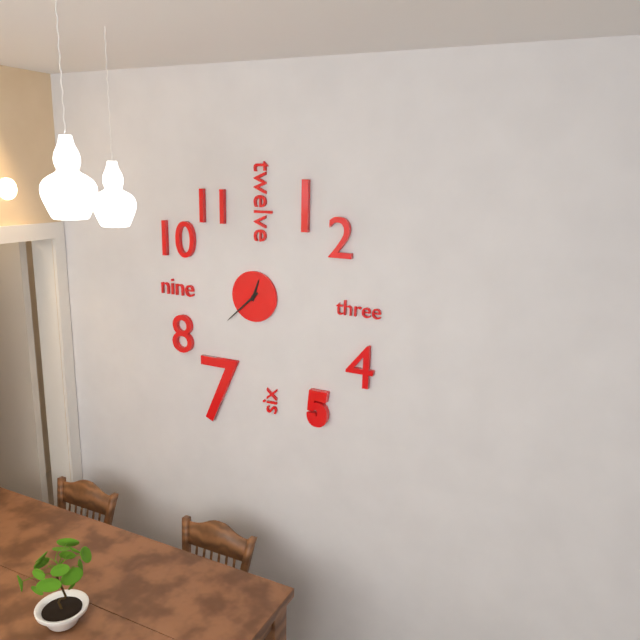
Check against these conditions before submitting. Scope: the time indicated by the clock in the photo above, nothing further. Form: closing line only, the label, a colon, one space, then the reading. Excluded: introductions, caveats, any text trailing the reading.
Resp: 12:38
